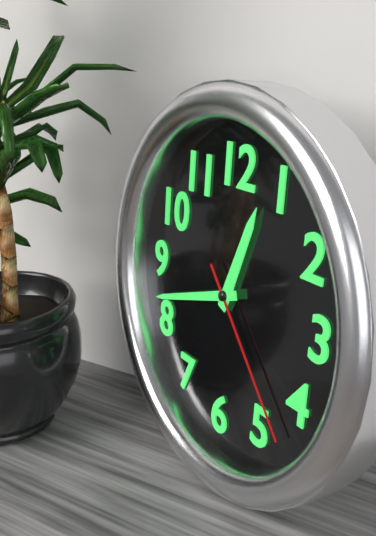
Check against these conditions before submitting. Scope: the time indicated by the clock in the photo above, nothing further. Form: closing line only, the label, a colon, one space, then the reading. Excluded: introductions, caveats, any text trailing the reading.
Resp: 12:42:23
